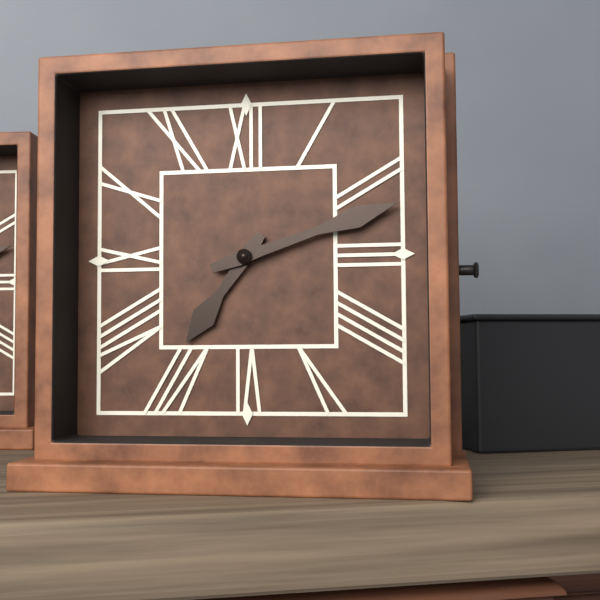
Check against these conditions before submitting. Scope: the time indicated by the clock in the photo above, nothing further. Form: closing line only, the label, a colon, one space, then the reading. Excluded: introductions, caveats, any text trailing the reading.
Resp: 7:12
